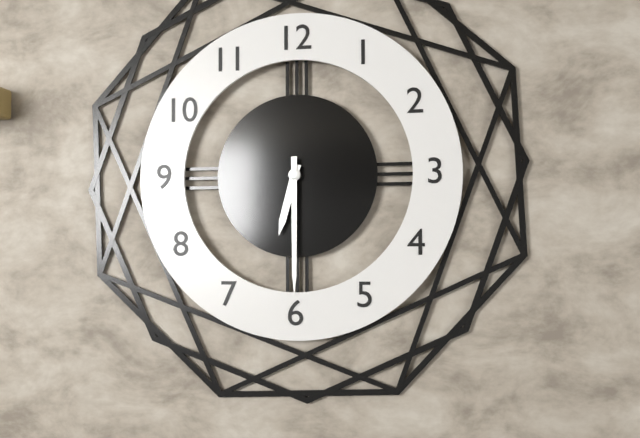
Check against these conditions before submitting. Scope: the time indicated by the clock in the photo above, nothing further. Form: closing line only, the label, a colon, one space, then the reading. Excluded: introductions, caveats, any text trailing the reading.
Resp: 6:30
